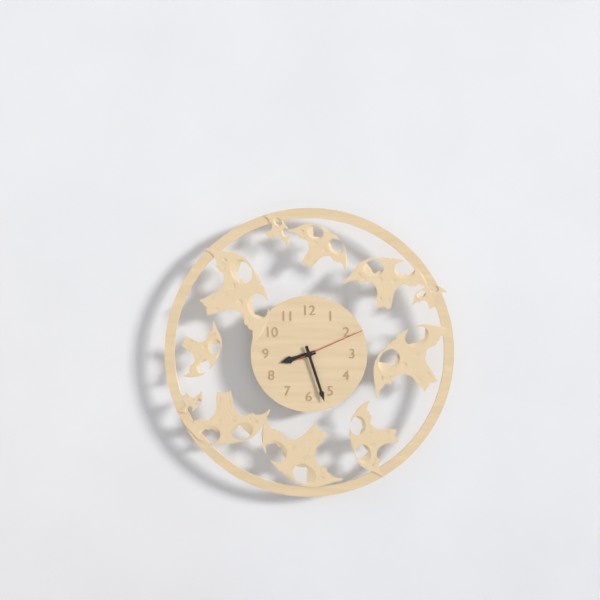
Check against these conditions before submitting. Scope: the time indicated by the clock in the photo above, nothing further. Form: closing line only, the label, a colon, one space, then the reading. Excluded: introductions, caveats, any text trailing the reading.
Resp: 8:27:11
